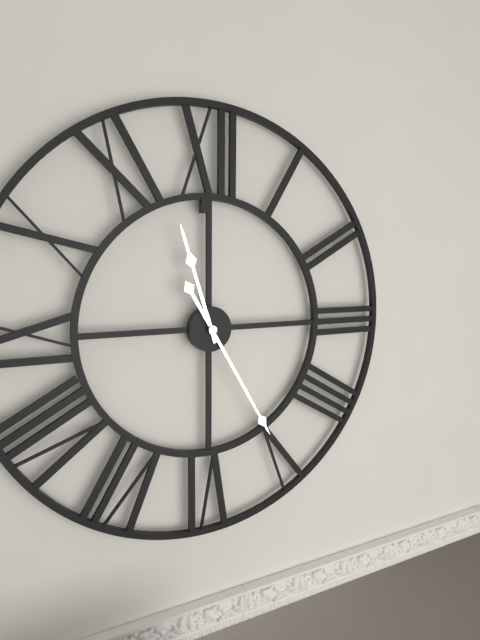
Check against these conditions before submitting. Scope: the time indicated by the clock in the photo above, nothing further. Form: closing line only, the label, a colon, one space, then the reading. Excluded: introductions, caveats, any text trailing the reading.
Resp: 11:25
